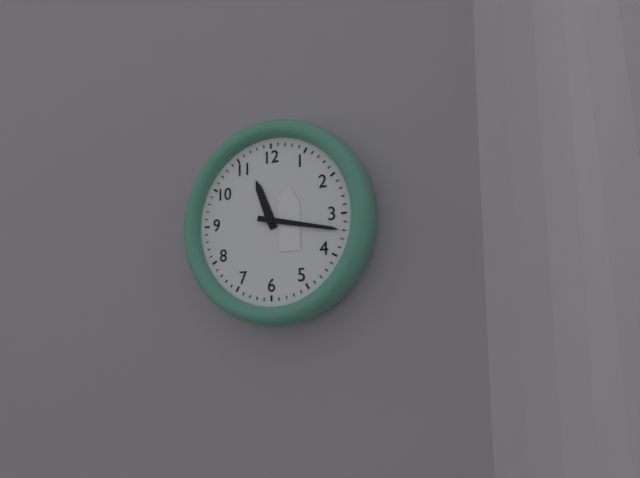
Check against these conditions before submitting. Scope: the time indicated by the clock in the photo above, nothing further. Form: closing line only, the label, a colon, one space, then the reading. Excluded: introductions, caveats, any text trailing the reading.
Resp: 11:17
